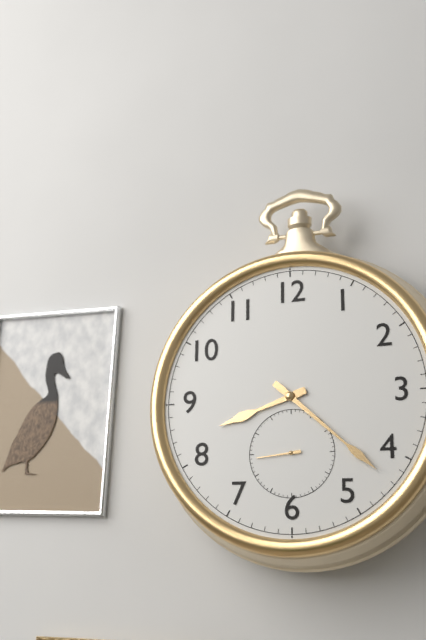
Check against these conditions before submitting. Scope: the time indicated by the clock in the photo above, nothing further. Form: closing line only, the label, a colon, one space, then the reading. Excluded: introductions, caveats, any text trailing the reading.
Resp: 8:22
